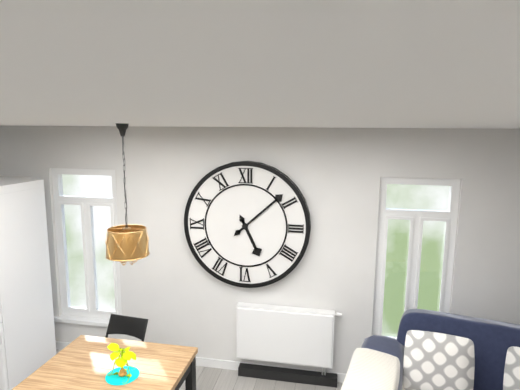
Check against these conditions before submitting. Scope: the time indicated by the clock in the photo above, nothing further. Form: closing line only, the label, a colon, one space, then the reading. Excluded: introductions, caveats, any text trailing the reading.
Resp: 5:08
